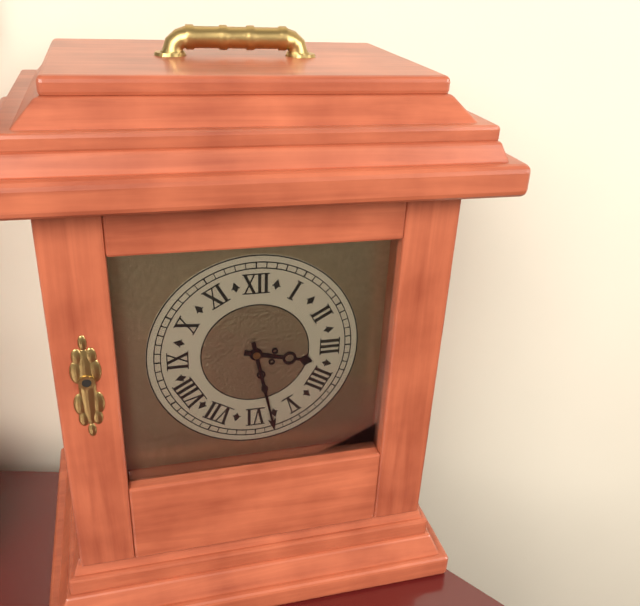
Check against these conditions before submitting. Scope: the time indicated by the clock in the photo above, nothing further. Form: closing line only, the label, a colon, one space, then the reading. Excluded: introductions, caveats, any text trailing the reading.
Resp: 3:28
